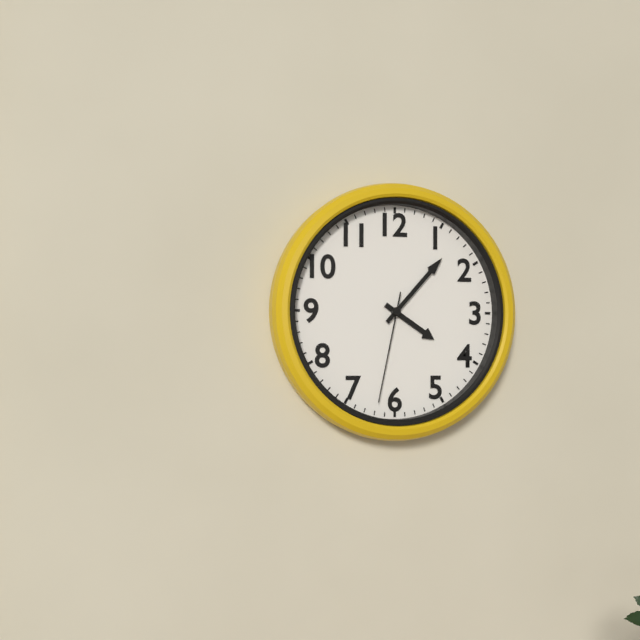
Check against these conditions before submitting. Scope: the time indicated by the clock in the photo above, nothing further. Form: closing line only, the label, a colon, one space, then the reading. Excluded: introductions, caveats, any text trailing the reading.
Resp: 4:07:32
